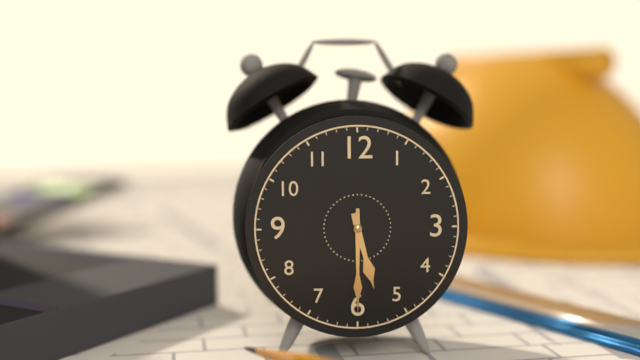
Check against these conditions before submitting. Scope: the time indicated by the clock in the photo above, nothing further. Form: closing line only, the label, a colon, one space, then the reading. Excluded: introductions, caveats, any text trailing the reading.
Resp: 5:30
